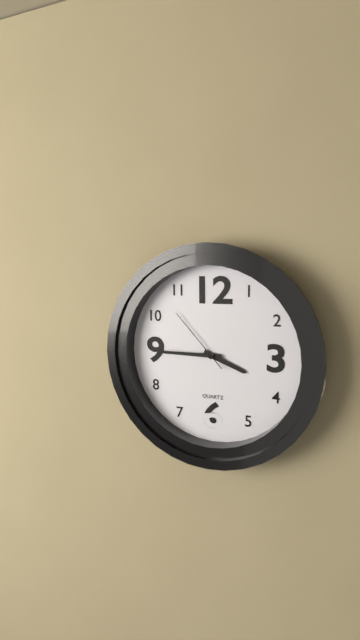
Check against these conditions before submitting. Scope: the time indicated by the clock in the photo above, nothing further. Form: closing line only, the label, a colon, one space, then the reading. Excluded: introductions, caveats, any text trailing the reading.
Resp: 3:45:53
